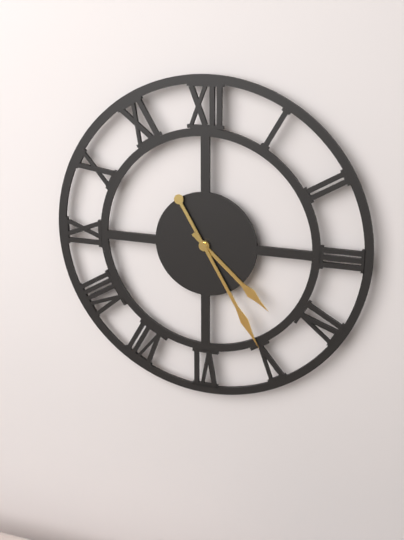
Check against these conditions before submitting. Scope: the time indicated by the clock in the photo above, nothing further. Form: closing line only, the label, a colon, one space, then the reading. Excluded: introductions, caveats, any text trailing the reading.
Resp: 4:25
